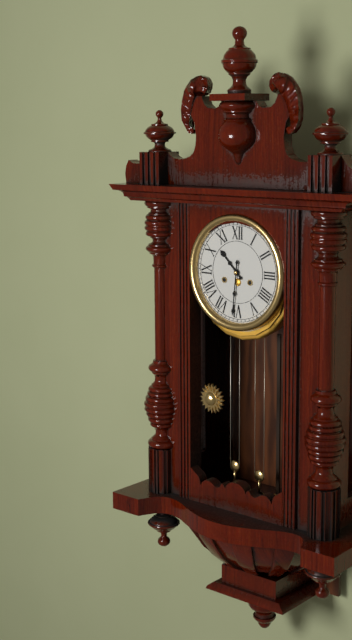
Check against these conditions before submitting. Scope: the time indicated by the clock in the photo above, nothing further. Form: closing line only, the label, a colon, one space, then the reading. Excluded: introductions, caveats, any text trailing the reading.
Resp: 10:31
